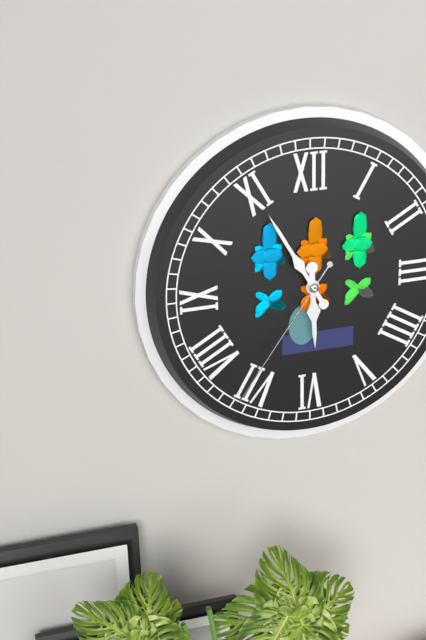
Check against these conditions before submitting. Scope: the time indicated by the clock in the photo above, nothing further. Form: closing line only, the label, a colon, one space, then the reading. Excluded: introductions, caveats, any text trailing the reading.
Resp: 5:55:36
